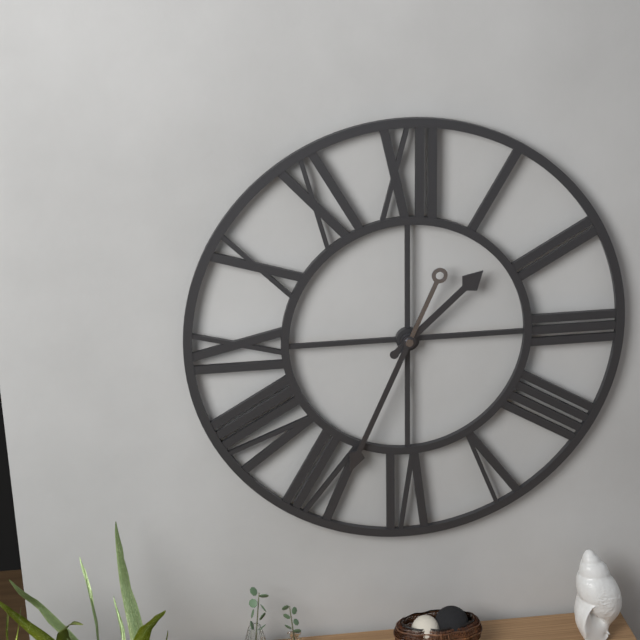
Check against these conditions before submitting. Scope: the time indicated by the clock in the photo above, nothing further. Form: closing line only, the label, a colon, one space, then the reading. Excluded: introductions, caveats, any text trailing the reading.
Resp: 1:34
